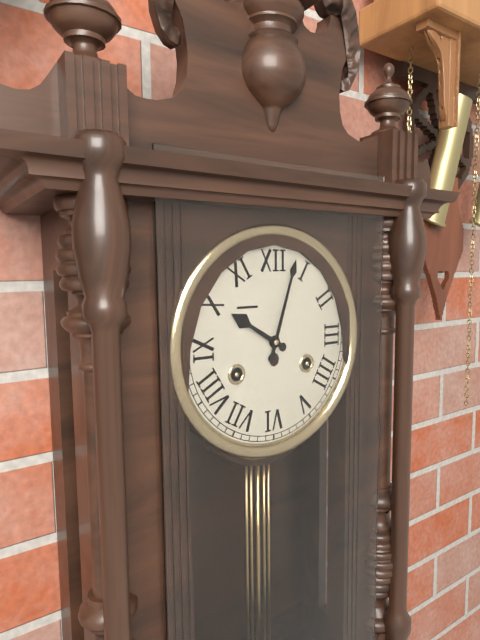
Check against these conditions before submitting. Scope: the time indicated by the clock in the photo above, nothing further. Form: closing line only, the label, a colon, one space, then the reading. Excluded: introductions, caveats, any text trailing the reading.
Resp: 10:03
